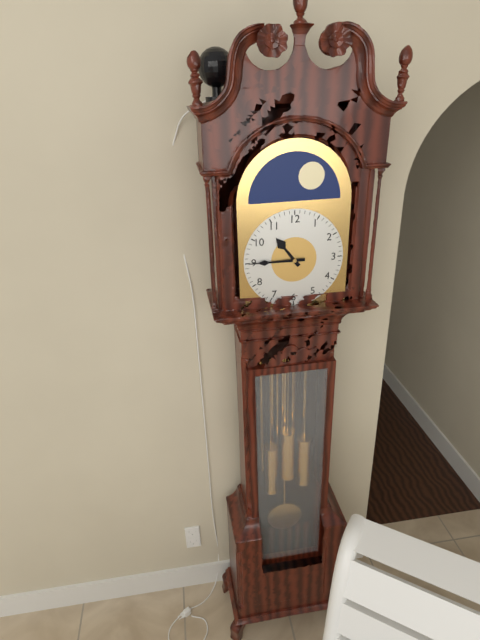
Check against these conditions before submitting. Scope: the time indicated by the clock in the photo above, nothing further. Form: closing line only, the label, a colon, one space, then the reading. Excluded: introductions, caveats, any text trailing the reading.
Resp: 10:45
